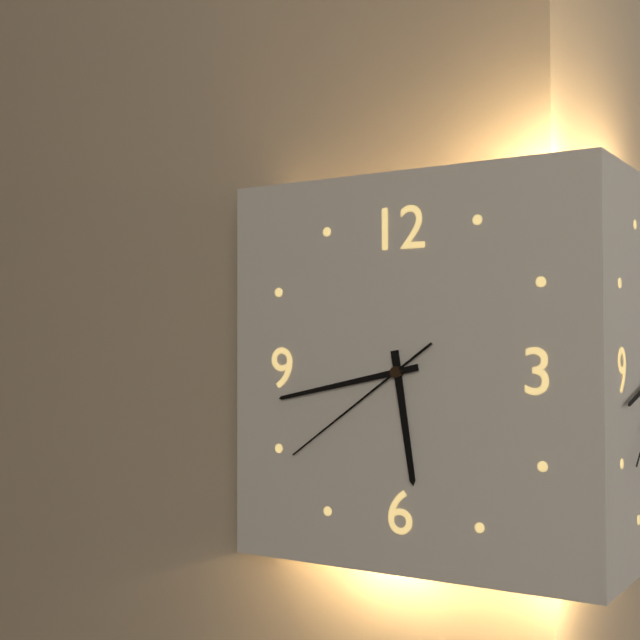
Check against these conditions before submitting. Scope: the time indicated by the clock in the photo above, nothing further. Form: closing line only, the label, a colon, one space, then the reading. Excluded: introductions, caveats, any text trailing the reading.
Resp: 5:43:39
